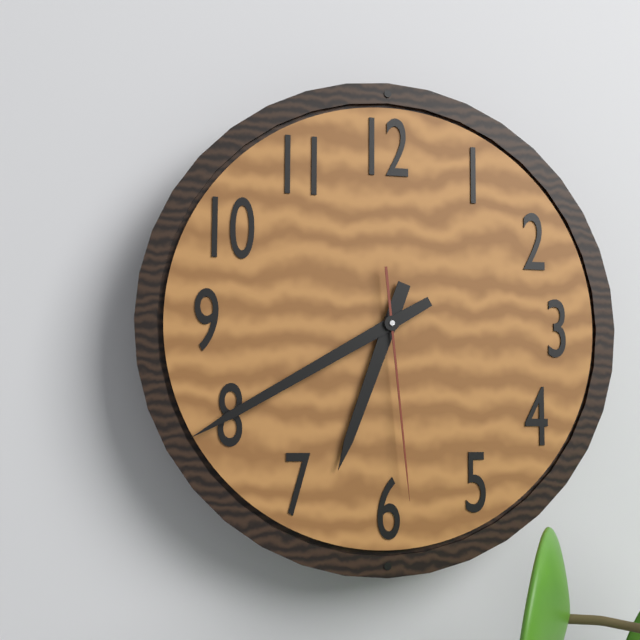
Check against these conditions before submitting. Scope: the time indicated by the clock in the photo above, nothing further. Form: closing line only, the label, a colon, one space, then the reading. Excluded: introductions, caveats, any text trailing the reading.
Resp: 6:40:29
